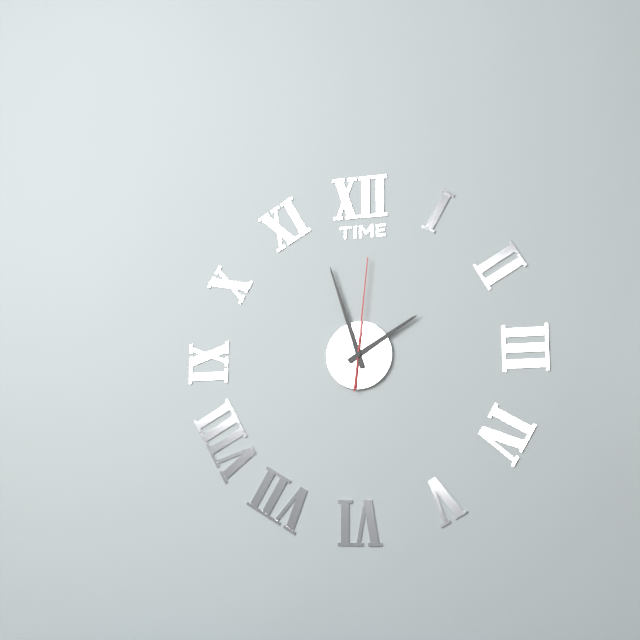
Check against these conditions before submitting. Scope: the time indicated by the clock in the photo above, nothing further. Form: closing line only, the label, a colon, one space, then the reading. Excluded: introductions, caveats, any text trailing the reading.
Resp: 1:57:01
